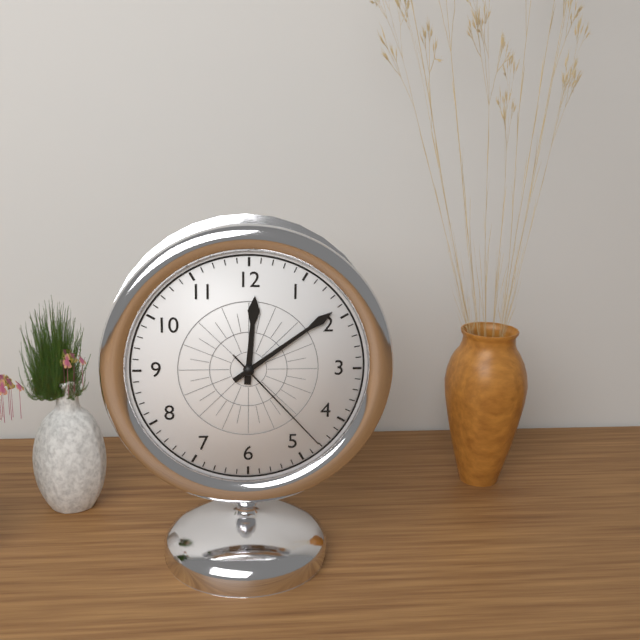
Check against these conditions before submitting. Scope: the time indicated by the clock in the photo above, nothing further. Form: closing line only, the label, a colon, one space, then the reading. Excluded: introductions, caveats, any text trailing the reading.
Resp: 12:09:23
